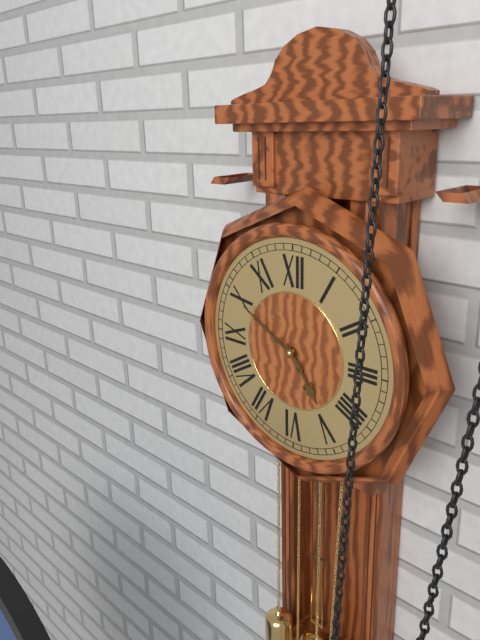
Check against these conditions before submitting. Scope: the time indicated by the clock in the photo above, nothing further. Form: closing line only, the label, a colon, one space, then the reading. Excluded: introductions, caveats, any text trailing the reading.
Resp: 4:50
